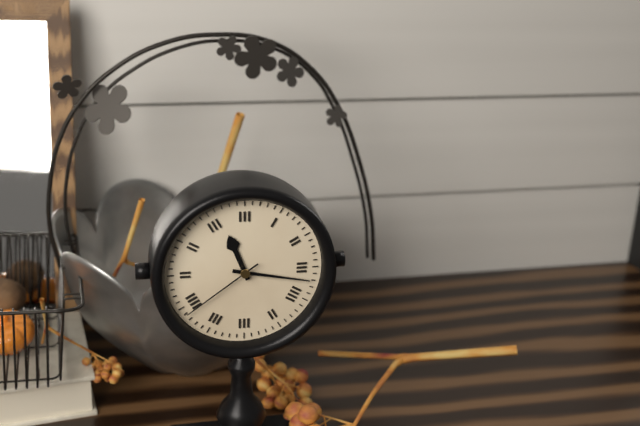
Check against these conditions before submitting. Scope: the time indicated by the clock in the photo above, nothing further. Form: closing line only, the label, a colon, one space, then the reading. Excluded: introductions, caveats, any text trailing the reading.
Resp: 11:17:39
